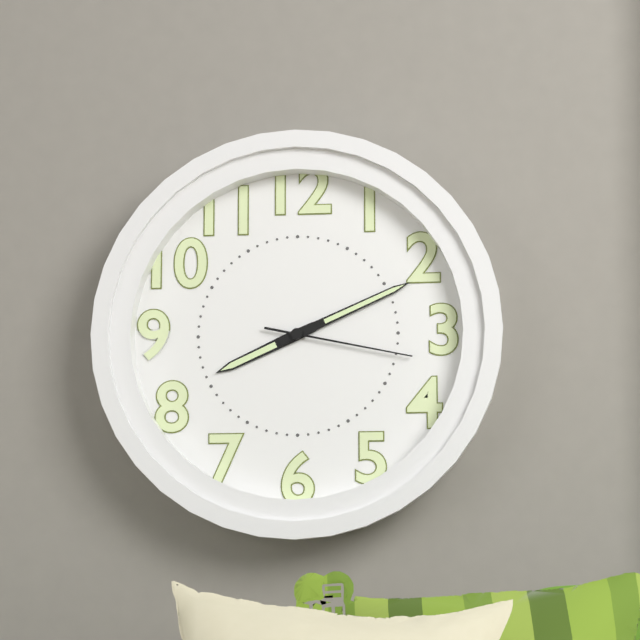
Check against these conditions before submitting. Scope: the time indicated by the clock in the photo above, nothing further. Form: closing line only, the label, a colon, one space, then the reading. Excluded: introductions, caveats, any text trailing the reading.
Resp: 8:11:17
